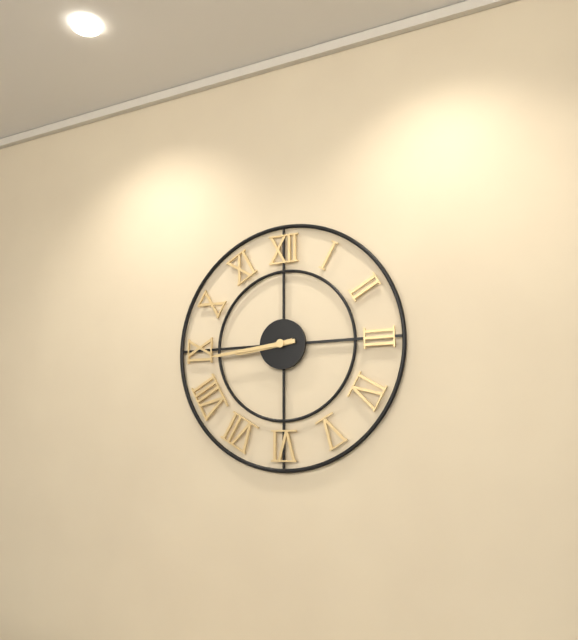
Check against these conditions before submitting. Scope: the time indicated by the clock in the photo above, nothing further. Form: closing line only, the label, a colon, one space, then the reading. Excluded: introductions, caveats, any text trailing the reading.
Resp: 8:44
